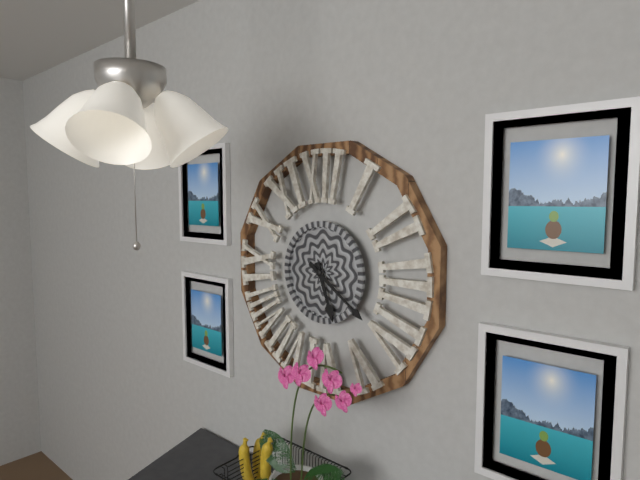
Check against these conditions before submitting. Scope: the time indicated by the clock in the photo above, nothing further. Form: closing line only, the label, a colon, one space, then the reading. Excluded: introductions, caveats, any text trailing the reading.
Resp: 5:21
